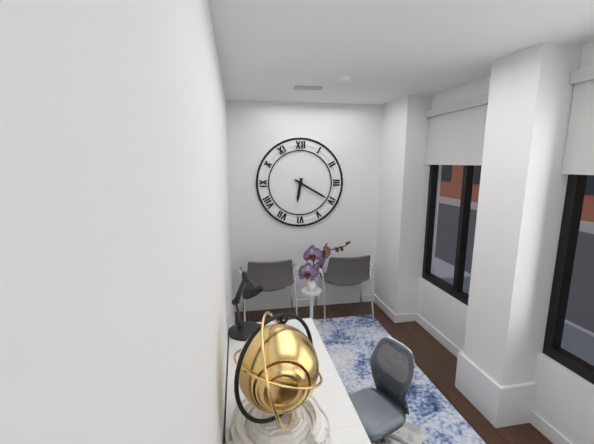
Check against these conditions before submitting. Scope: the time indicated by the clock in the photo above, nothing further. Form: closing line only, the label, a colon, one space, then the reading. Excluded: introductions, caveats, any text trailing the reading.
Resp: 6:20
